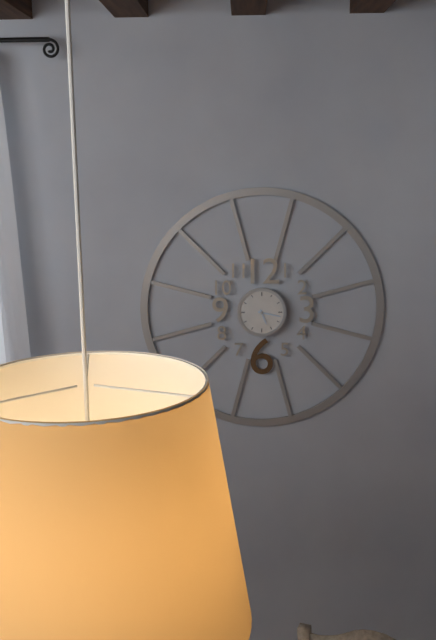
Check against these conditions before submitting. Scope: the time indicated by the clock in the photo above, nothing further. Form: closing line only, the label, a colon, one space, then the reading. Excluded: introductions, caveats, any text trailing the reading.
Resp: 5:17
